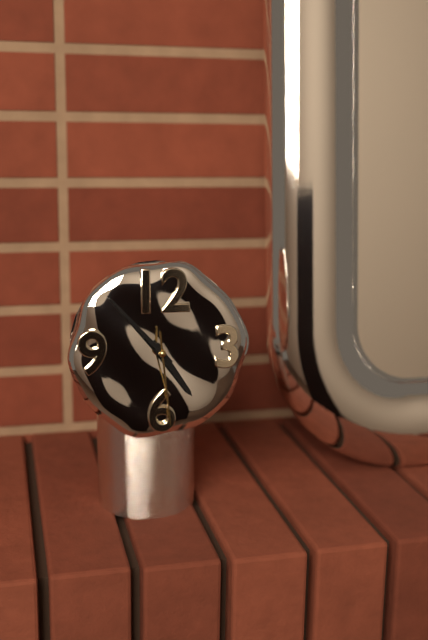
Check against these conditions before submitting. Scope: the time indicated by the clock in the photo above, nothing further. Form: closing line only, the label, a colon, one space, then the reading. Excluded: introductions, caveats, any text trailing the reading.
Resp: 4:53:29
